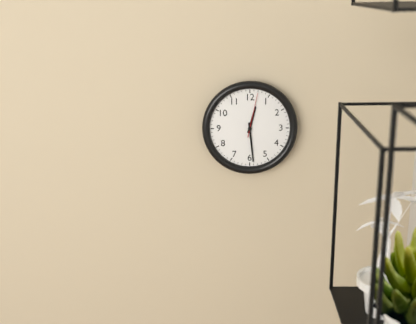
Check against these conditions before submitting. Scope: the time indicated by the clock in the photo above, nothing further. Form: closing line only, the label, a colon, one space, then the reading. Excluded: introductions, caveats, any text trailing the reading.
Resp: 12:29
